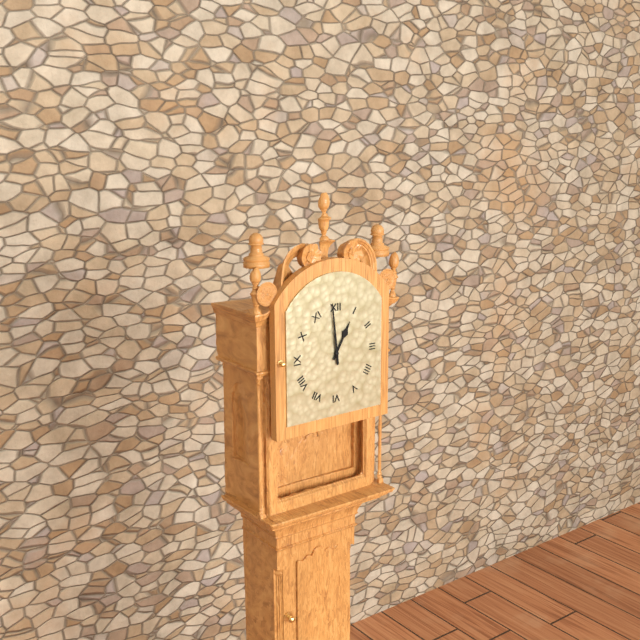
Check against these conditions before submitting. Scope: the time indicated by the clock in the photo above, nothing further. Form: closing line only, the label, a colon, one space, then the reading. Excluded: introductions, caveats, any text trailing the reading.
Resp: 12:59
